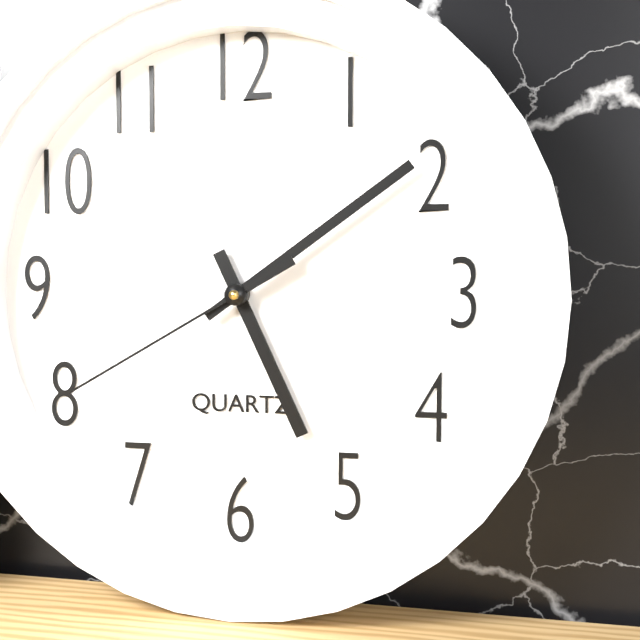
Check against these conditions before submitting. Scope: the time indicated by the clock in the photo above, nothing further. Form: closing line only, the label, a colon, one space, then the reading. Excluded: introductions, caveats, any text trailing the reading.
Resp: 5:09:40
